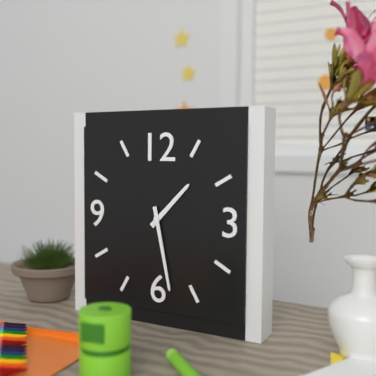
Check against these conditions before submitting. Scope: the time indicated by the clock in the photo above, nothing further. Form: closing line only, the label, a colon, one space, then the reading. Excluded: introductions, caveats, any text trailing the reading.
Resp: 1:28
